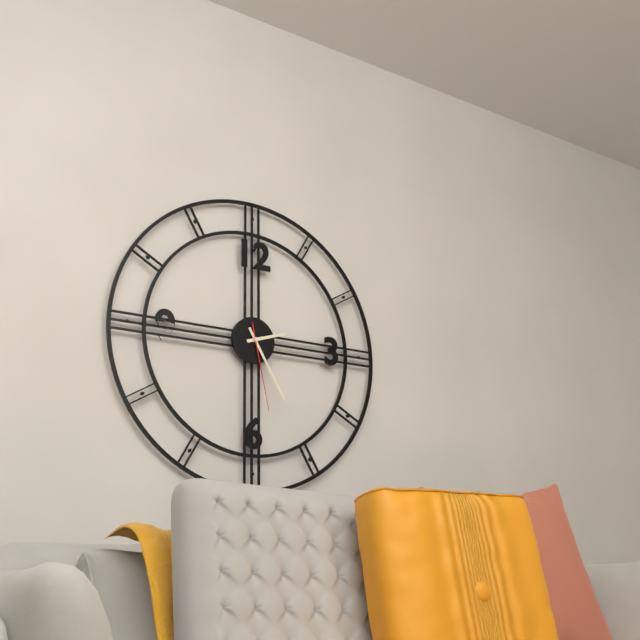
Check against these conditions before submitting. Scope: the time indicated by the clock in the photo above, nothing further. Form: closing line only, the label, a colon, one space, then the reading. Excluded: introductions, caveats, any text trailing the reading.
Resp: 2:25:28
